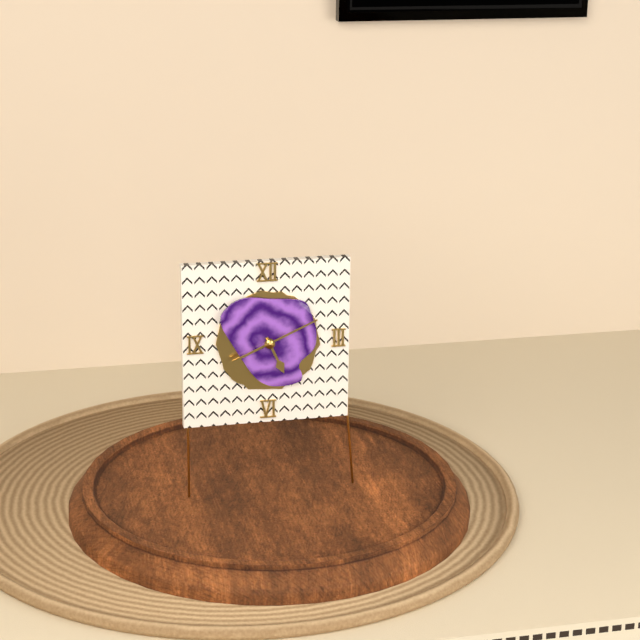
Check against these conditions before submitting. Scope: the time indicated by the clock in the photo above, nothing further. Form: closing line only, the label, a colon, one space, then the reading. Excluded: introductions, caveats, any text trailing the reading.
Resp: 5:11
